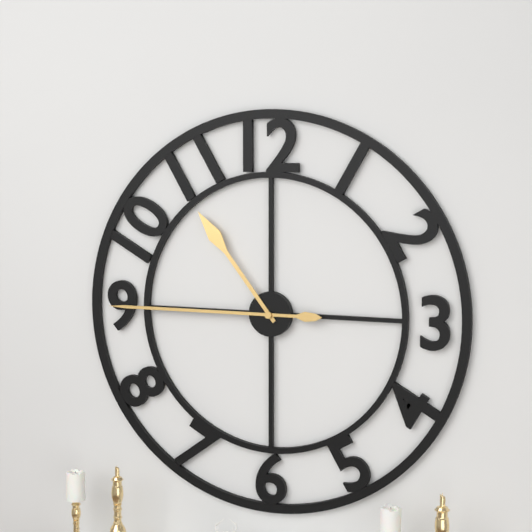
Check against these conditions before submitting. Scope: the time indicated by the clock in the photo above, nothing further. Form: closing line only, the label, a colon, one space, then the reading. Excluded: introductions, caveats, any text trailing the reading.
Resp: 10:45
